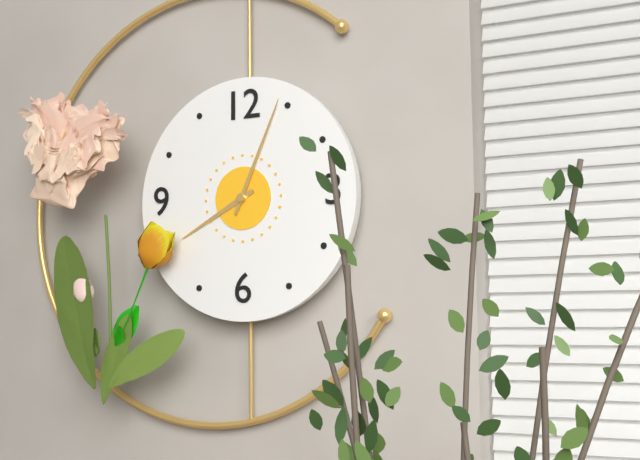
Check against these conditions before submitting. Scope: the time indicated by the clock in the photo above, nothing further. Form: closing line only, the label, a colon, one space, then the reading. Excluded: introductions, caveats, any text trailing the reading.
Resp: 8:04
